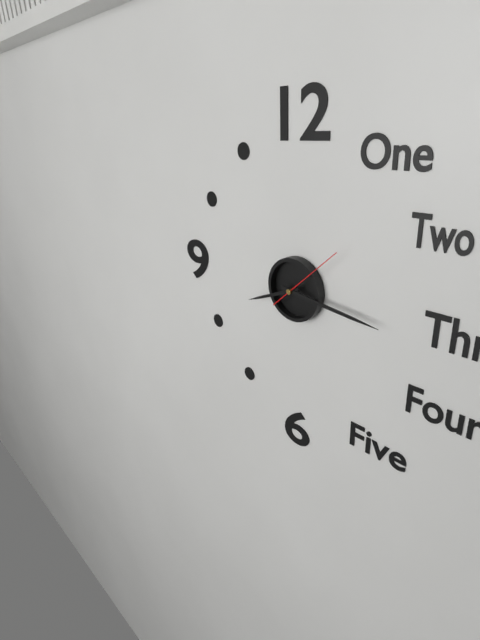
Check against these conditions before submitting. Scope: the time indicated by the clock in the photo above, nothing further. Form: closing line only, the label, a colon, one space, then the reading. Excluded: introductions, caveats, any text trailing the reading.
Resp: 8:16:08
